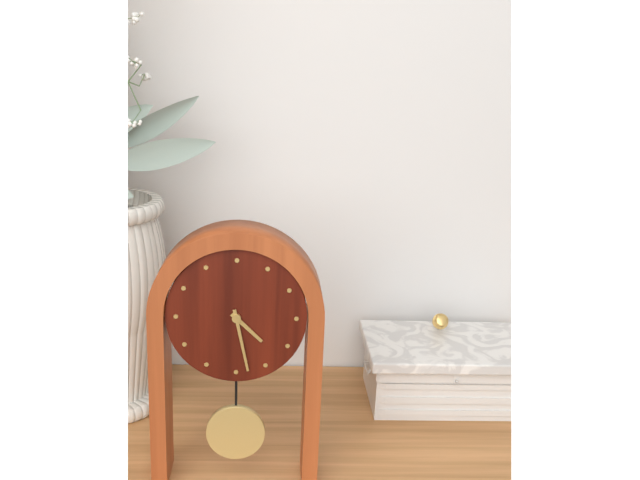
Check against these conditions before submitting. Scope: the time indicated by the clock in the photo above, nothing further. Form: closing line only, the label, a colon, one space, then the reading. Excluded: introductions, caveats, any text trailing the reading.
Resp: 4:28
